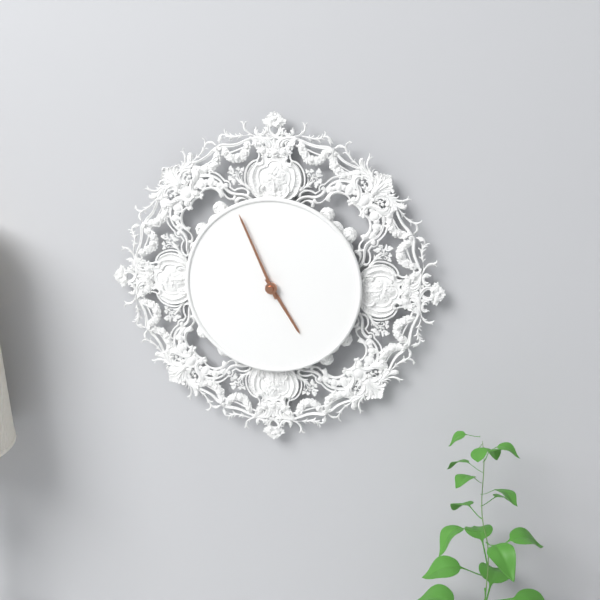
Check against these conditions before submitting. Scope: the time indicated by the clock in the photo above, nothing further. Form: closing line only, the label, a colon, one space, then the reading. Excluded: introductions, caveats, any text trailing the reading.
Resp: 4:56
